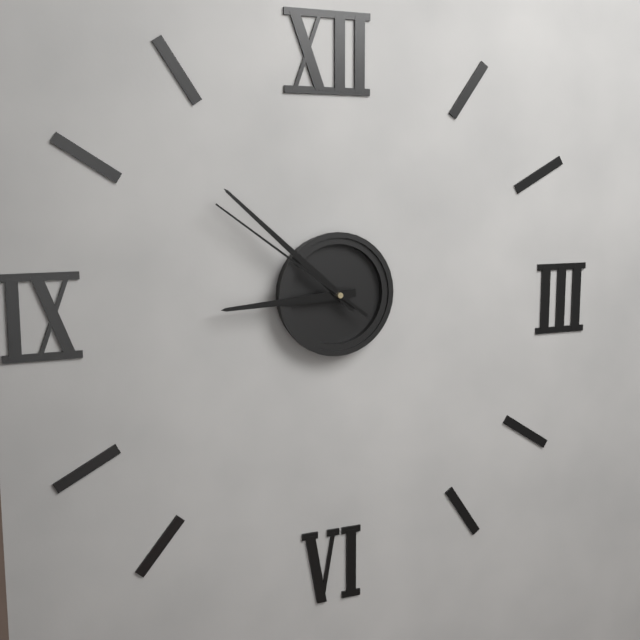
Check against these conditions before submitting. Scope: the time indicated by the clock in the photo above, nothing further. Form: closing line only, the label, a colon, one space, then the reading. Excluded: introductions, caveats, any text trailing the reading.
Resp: 8:52:51
